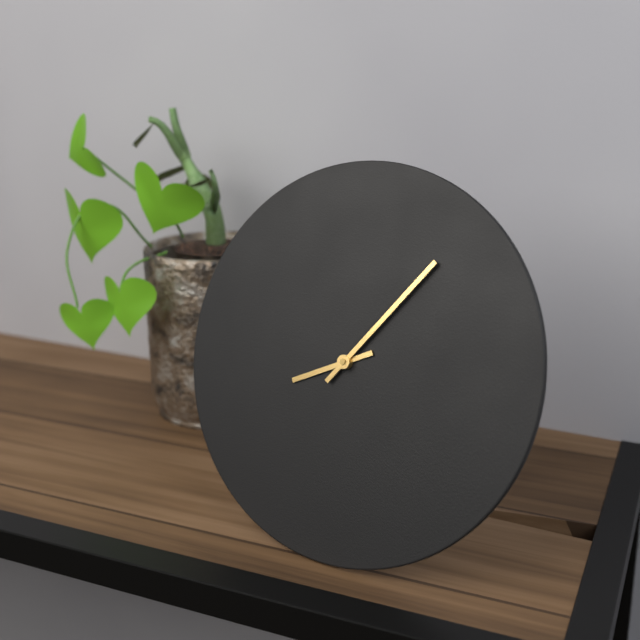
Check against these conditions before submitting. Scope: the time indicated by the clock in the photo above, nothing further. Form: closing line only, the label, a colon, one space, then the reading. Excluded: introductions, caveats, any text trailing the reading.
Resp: 8:06
